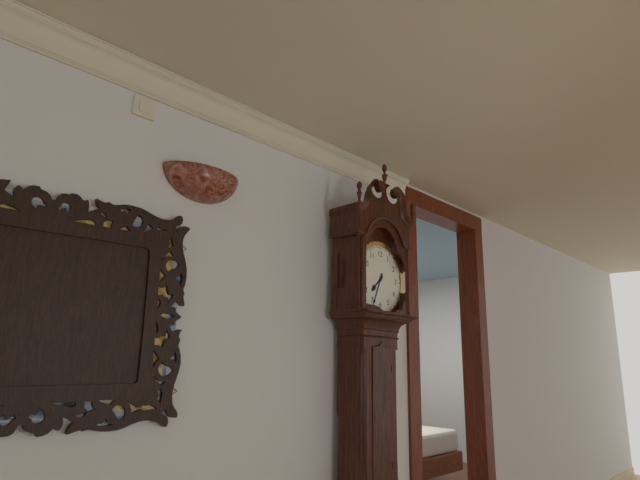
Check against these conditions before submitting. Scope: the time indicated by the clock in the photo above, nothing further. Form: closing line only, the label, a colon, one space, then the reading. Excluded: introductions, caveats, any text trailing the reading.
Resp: 7:34
